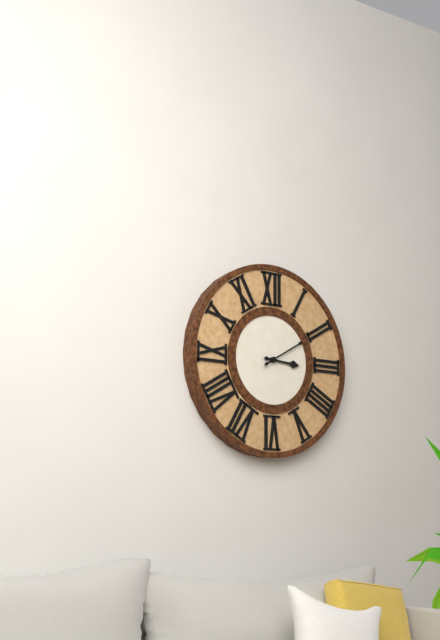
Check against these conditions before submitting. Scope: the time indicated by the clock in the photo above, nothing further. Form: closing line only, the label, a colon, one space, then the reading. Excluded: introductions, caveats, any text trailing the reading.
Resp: 3:10
